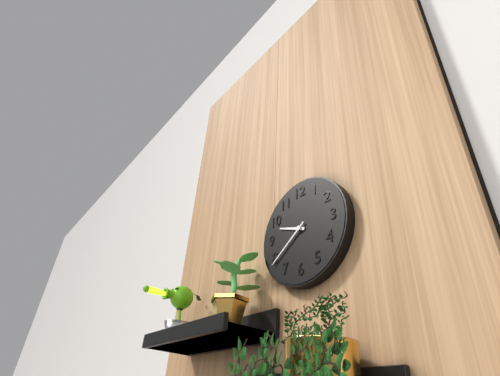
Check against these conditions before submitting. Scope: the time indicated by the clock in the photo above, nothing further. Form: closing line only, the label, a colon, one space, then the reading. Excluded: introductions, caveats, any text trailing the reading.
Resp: 9:39
